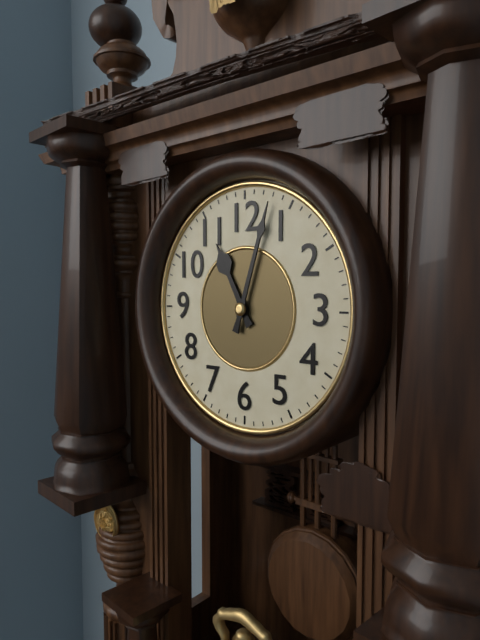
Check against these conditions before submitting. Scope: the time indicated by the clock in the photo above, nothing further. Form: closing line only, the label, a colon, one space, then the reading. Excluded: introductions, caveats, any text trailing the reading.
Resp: 11:03
